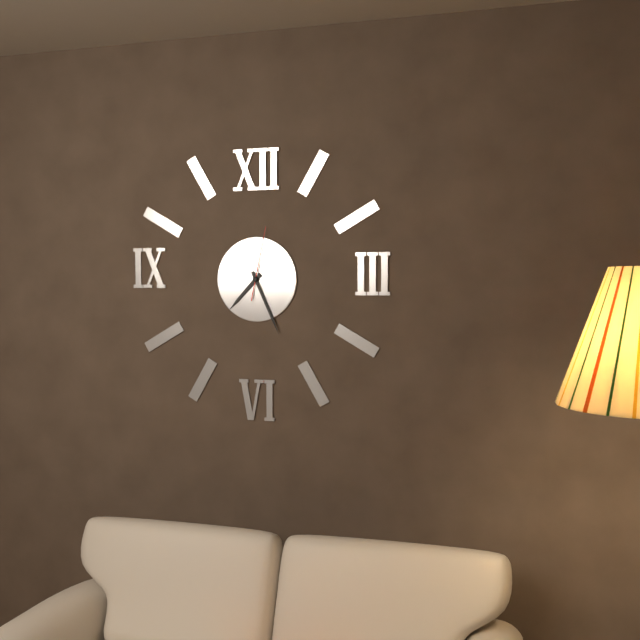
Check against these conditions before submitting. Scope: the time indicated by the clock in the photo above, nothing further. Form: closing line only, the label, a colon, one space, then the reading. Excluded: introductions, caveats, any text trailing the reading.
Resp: 7:26:02
